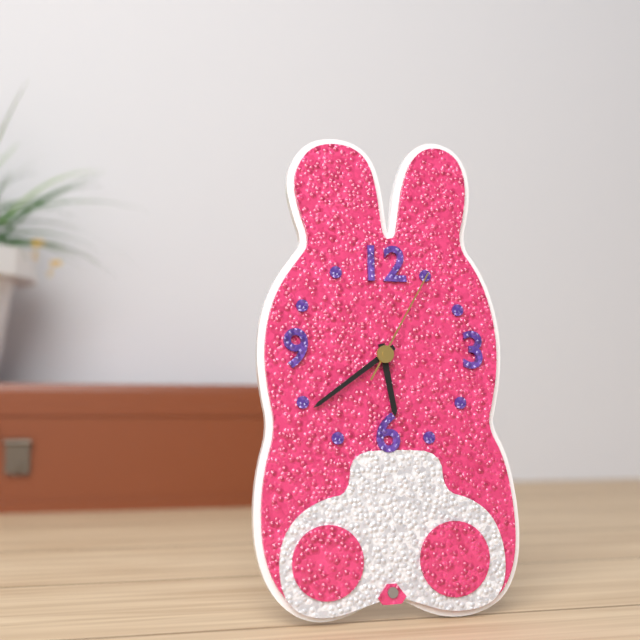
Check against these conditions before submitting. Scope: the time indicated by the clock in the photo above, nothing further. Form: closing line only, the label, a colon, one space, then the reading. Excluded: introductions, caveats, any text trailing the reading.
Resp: 5:39:05
